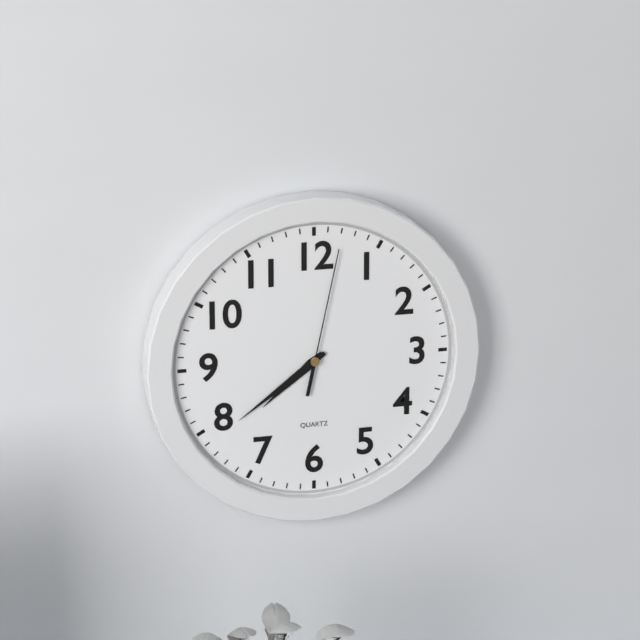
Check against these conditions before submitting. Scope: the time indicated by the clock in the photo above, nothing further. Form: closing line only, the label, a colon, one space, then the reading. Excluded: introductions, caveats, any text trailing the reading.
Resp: 7:39:02
